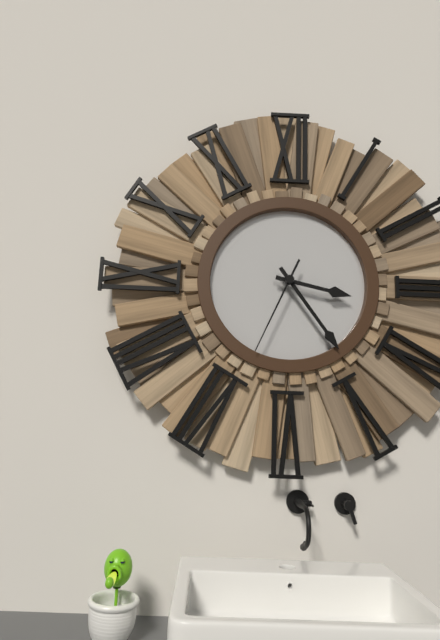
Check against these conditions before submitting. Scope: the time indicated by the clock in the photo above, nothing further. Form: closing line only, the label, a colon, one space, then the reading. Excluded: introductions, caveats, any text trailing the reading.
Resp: 3:24:34
